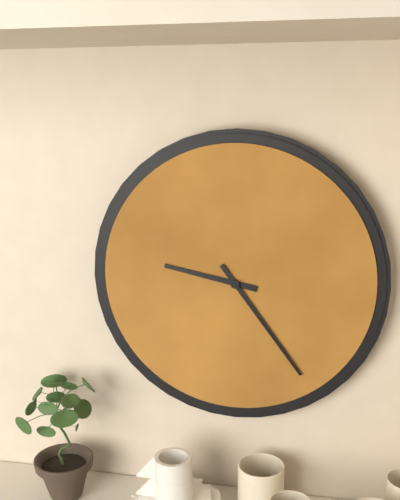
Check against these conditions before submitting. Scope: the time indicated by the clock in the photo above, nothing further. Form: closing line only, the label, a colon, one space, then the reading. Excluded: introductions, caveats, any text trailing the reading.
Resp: 9:24
